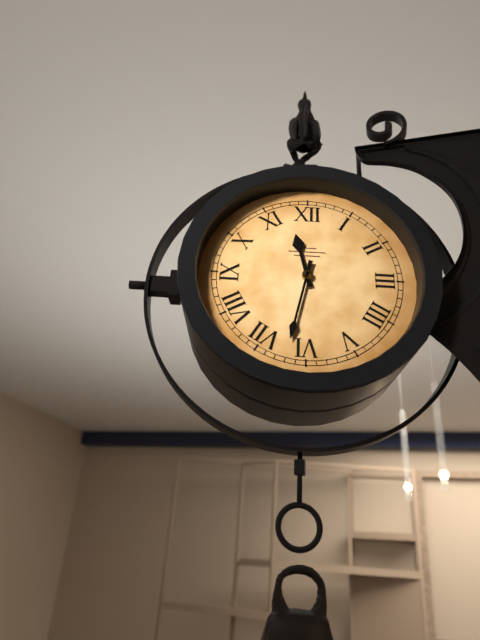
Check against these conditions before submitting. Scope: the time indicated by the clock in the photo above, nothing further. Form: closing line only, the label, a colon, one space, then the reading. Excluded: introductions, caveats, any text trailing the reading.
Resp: 11:32
